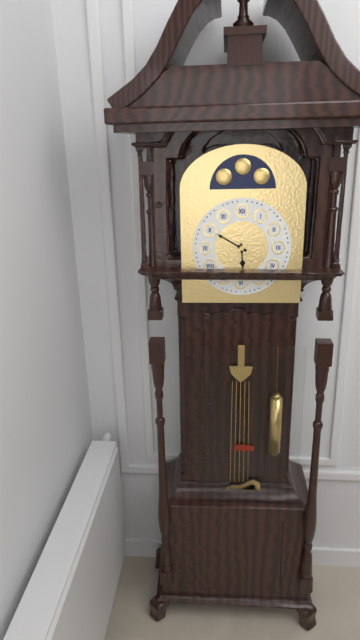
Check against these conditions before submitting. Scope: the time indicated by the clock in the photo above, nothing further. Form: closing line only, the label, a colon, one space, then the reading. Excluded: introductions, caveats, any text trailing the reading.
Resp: 5:50
